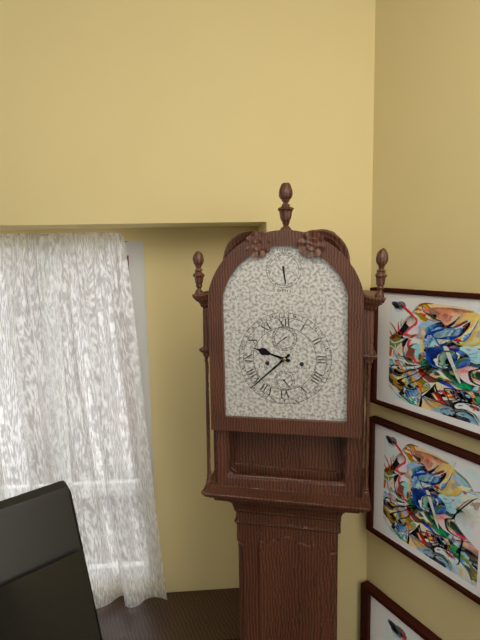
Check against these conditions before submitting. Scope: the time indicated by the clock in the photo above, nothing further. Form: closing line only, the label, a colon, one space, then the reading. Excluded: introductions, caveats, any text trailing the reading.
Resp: 9:38
